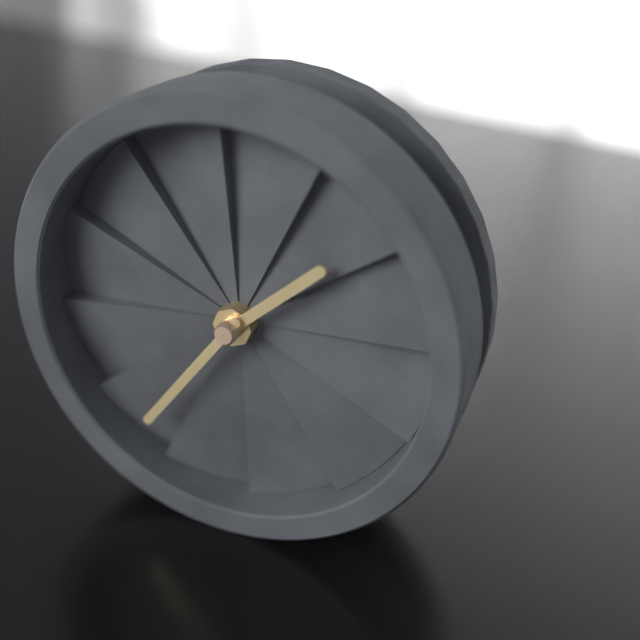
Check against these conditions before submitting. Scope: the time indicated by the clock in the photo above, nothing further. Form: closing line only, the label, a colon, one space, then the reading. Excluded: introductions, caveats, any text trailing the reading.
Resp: 1:36
